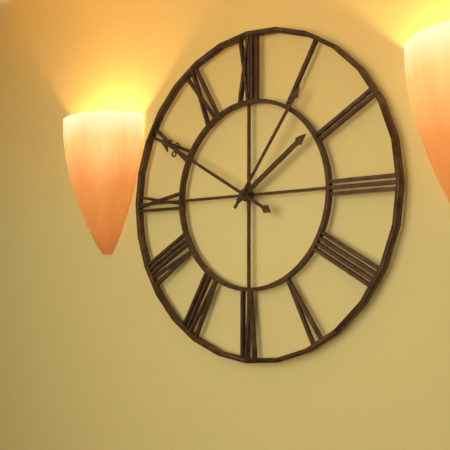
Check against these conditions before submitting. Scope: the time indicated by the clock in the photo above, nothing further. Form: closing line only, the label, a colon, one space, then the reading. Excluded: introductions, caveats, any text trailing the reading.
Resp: 1:50:06
